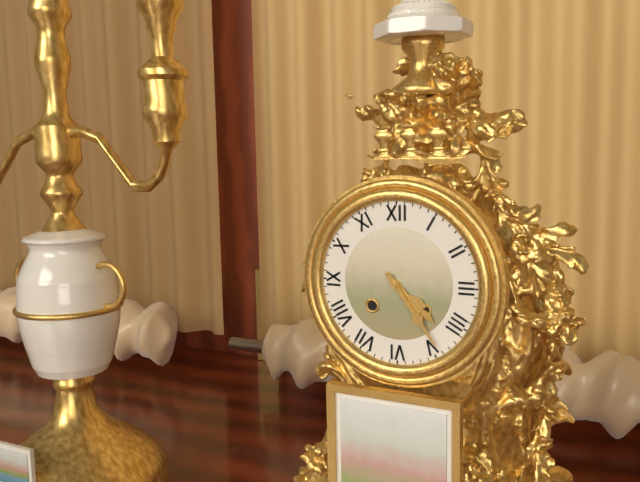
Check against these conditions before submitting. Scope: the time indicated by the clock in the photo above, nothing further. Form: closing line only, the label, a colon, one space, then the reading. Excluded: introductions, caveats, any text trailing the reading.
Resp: 4:24
